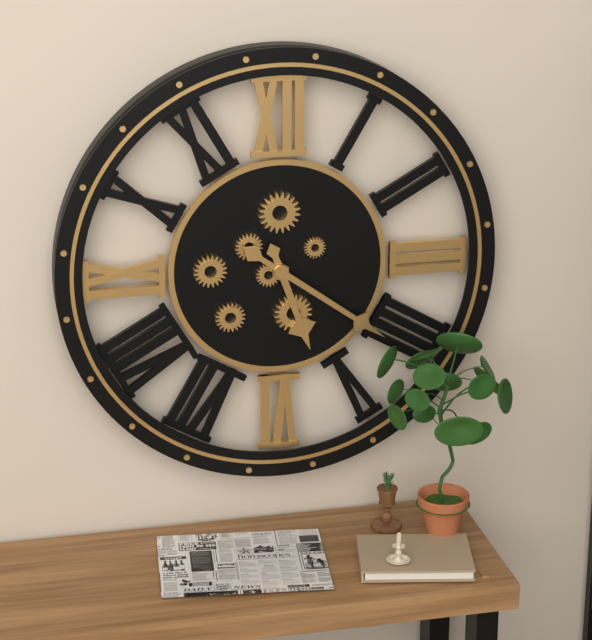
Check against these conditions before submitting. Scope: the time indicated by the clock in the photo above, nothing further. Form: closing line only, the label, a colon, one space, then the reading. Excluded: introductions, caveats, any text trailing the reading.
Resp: 5:21
